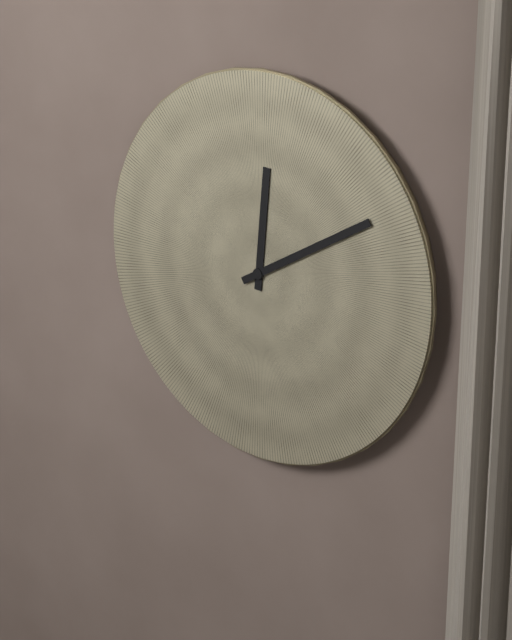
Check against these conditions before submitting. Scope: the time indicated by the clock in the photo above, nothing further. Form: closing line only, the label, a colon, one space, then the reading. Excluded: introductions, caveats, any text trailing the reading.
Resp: 12:10
